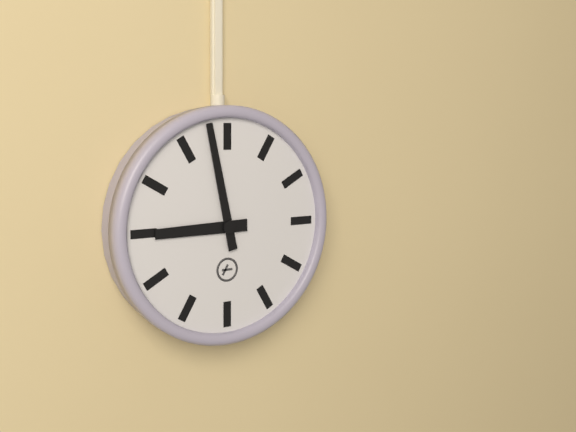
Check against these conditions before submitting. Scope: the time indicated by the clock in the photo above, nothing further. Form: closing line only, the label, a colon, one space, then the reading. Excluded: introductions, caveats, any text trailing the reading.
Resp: 8:58
